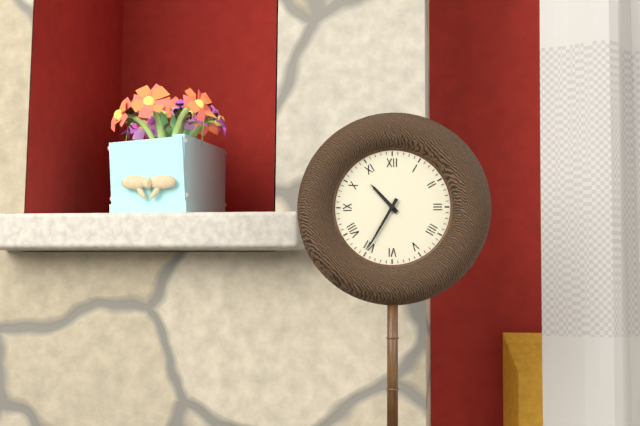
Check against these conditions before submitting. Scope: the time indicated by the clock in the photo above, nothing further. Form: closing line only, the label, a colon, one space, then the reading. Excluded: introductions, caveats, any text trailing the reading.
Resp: 10:35
